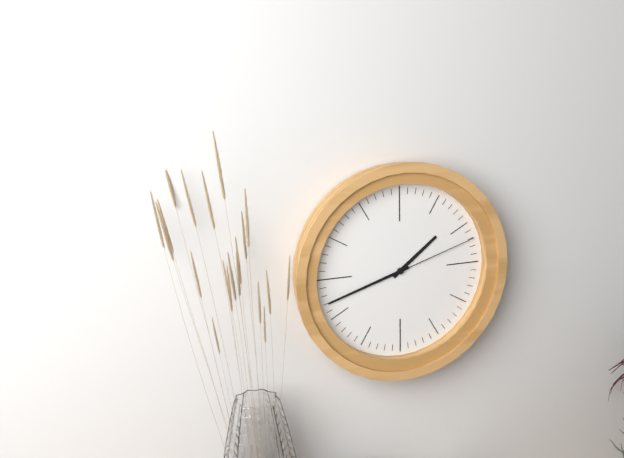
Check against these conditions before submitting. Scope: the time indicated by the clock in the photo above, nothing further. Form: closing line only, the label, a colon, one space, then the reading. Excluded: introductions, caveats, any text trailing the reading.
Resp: 1:42:12
